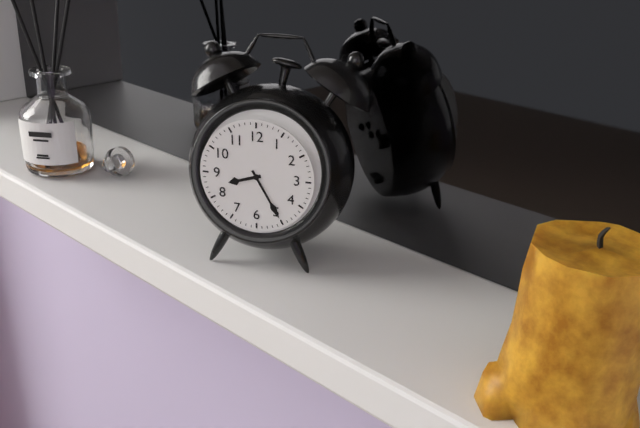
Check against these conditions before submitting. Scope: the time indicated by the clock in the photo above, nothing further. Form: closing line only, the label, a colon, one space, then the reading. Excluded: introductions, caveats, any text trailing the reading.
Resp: 8:25
